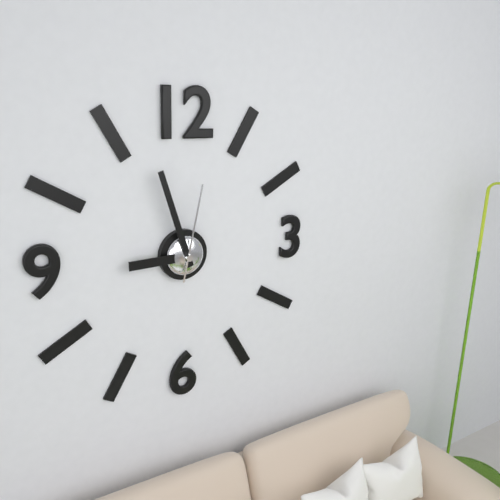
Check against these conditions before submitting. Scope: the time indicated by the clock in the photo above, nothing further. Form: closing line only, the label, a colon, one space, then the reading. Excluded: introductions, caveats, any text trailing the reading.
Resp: 8:57:02
